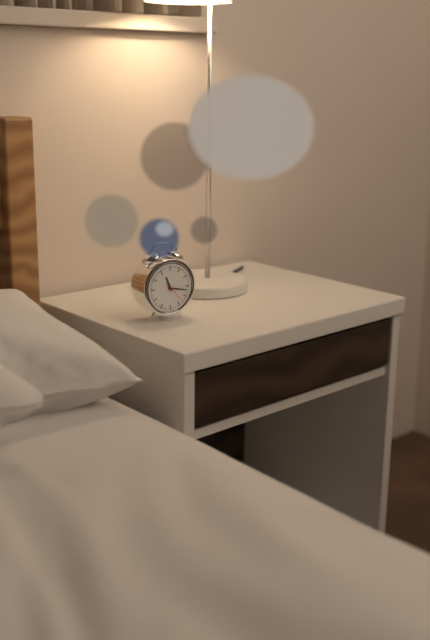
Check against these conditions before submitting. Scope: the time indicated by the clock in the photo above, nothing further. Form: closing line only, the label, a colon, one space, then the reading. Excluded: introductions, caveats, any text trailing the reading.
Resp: 11:17
